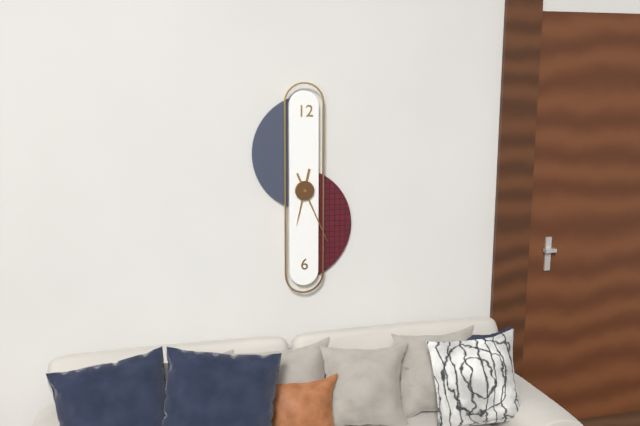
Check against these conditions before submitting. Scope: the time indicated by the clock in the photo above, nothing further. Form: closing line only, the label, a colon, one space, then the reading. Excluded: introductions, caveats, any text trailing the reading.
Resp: 6:26
